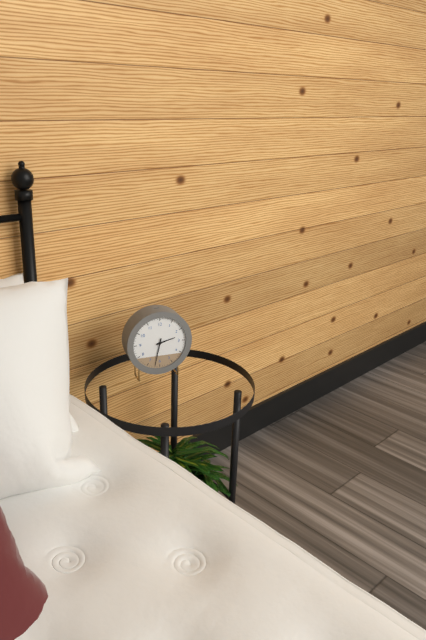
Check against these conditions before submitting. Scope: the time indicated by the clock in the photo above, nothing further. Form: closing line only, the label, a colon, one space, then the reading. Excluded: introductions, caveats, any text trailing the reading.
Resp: 2:32
